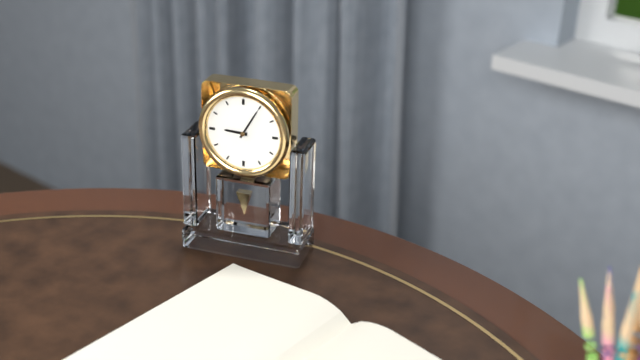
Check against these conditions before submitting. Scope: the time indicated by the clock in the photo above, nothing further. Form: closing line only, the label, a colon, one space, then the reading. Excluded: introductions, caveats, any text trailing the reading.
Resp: 9:05
